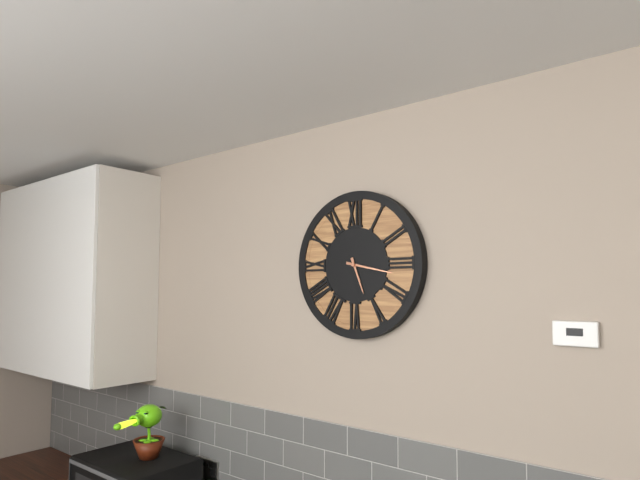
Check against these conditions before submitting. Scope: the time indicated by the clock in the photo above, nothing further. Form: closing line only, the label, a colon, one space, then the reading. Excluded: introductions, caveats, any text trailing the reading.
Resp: 5:17
